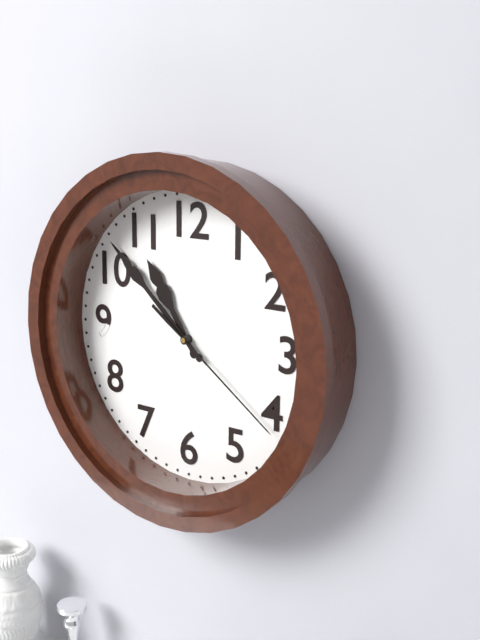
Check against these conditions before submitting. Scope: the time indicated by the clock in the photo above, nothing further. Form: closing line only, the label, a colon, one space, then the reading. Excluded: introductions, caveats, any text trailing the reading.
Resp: 10:52:21
